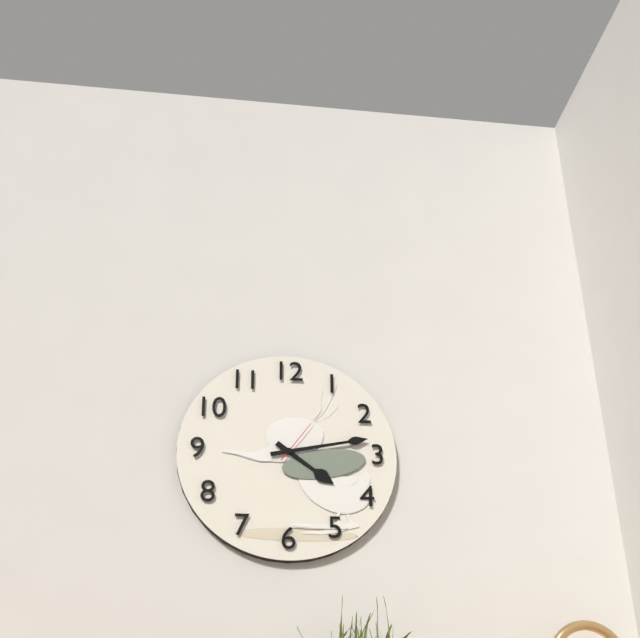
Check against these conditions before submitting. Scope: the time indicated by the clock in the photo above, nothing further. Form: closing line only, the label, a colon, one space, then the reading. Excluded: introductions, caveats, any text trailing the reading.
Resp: 4:13
